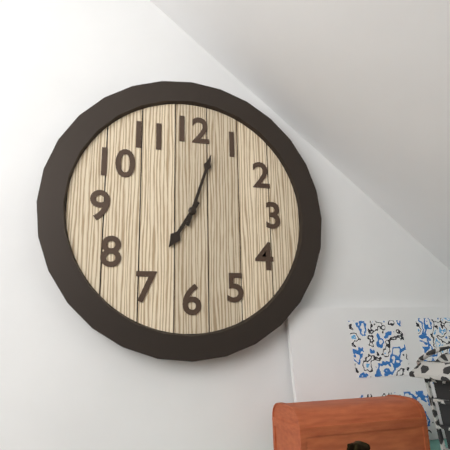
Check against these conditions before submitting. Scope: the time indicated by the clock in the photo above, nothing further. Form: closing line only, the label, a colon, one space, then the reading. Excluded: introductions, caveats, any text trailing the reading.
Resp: 7:03
